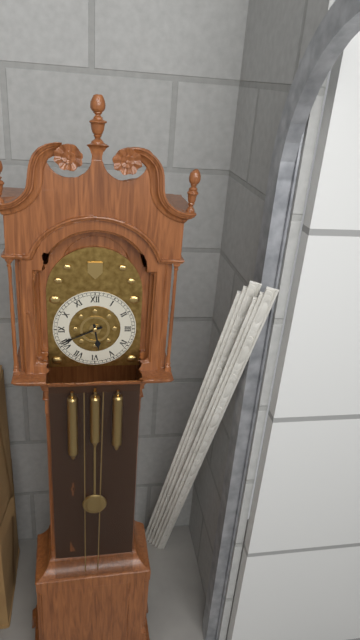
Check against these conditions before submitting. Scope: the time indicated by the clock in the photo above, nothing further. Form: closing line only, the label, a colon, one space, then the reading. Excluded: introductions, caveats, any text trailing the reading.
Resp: 5:41
